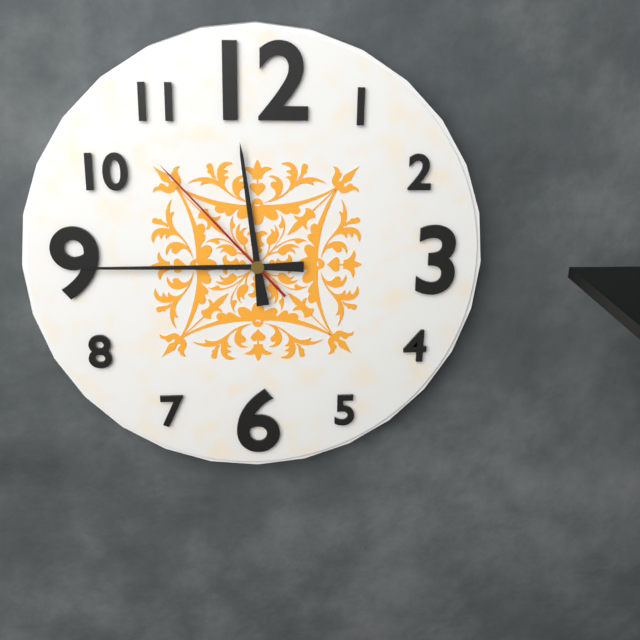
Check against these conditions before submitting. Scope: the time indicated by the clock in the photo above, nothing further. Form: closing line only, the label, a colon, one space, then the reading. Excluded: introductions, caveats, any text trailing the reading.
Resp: 11:45:53
